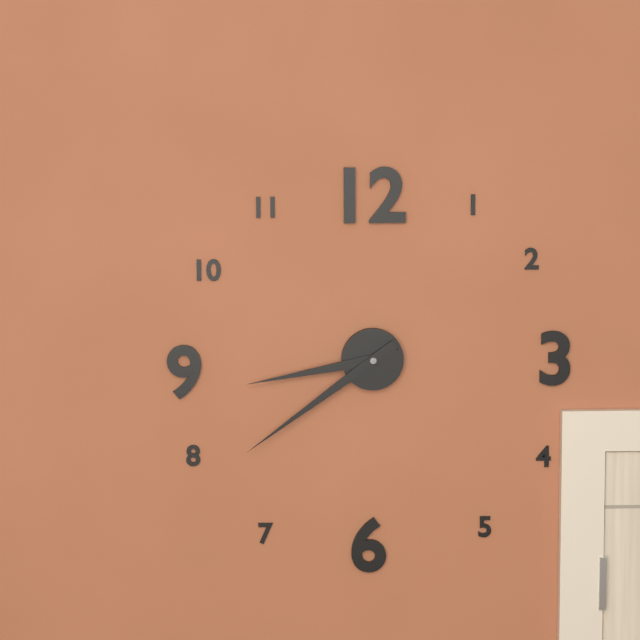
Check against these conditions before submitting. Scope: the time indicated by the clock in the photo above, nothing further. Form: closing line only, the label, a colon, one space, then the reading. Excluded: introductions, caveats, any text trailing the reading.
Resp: 8:39
